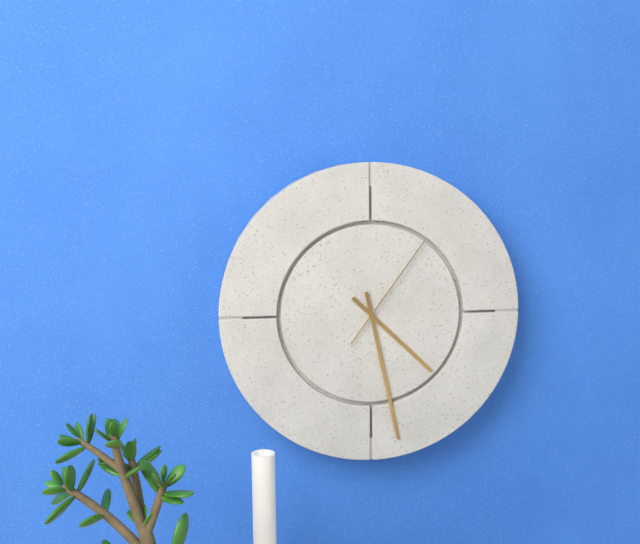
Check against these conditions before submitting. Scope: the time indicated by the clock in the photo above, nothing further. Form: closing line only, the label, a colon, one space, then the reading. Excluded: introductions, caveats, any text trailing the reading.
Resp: 4:28:06
